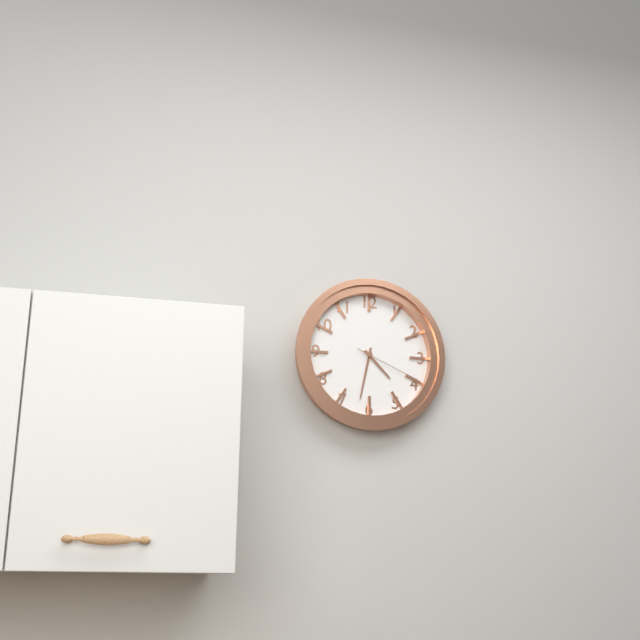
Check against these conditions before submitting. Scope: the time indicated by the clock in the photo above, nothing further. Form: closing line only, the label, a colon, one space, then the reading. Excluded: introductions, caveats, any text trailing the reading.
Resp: 4:32:19
